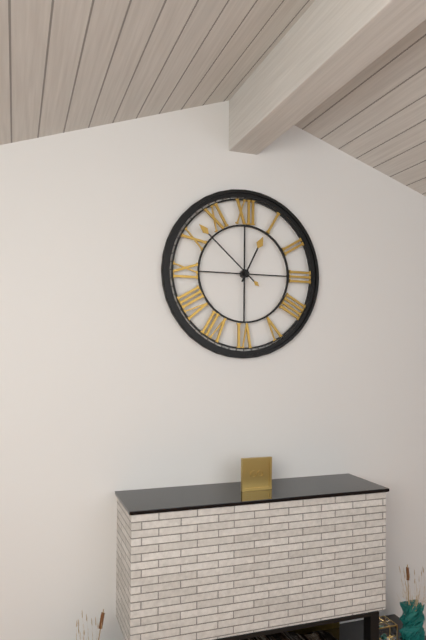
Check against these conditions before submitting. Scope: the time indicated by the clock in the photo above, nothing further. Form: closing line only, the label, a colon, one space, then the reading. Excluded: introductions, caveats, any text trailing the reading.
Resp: 12:52
